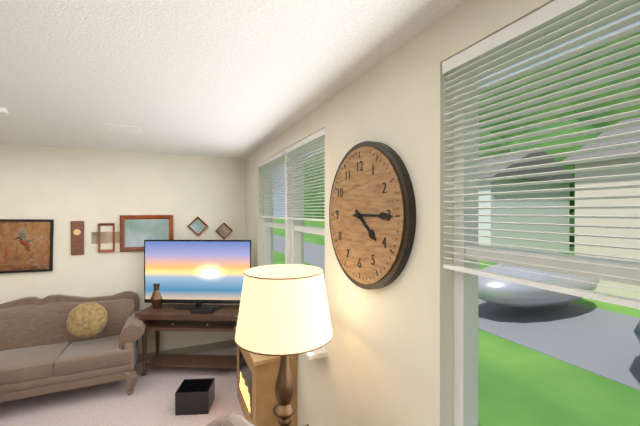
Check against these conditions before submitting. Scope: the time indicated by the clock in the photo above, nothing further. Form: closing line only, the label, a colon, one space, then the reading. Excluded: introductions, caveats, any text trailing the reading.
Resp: 4:15
